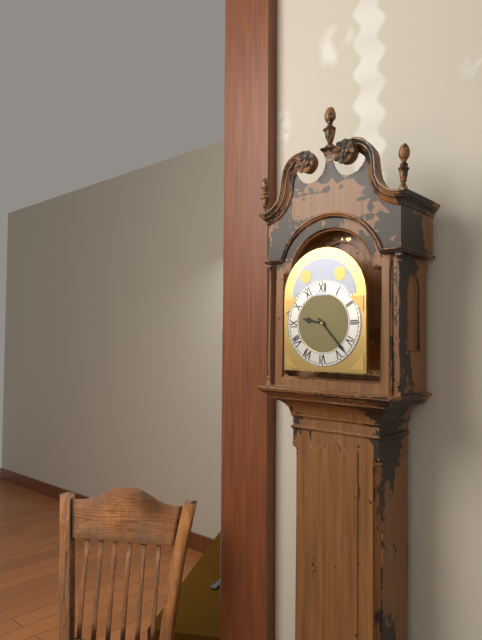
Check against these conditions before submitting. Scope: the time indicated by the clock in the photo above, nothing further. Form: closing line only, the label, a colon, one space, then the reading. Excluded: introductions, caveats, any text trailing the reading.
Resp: 9:23
